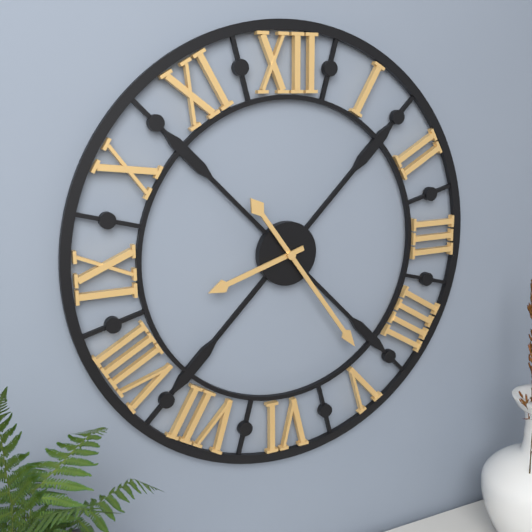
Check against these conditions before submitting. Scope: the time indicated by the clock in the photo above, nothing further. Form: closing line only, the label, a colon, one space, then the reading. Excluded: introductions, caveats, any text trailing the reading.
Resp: 8:24
